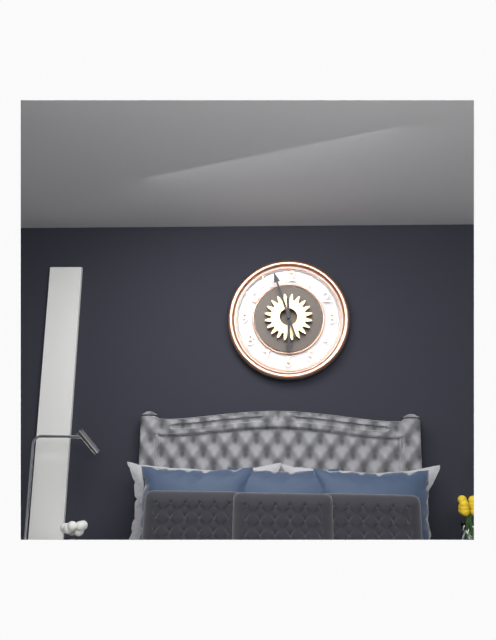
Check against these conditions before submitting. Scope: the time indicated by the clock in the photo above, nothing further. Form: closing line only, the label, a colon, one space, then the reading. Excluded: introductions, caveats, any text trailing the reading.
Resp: 5:57
